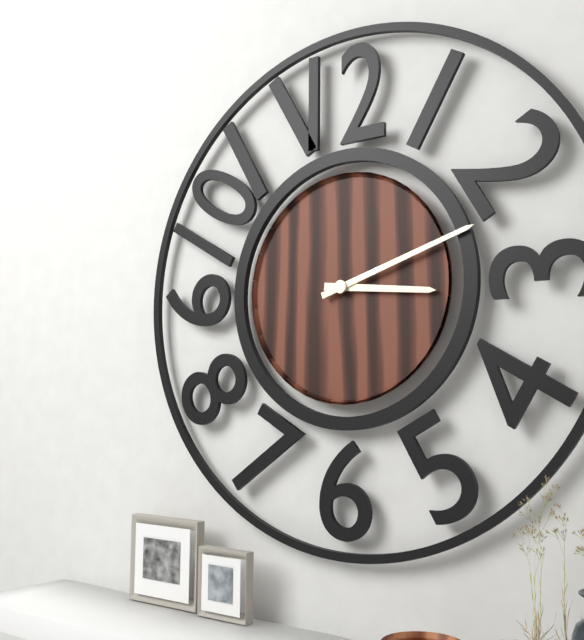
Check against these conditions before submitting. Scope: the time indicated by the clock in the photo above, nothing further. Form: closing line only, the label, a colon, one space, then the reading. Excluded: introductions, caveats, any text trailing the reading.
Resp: 3:12
